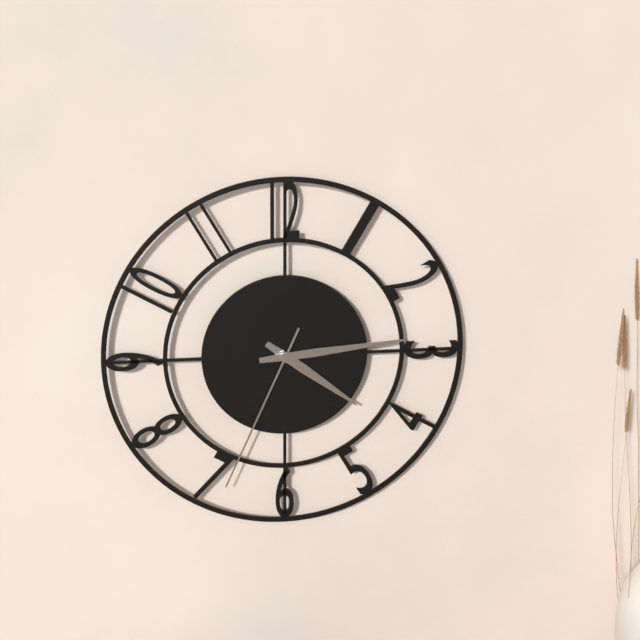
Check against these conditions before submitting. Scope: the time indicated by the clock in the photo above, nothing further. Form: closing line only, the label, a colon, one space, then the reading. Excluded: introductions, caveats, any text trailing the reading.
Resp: 4:14:34
